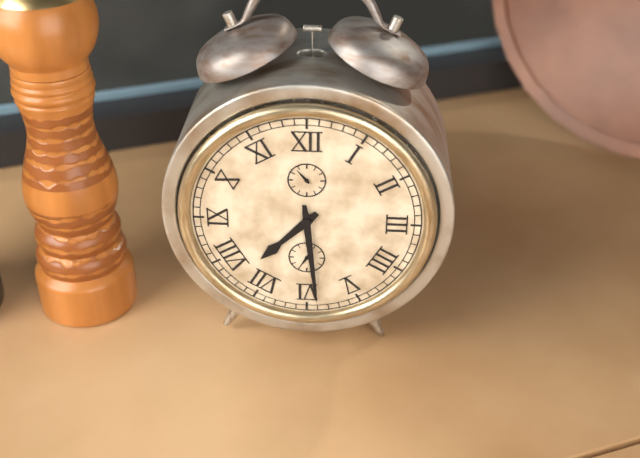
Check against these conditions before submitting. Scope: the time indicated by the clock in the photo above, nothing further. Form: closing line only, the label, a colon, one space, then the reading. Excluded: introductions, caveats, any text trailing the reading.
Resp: 7:29
